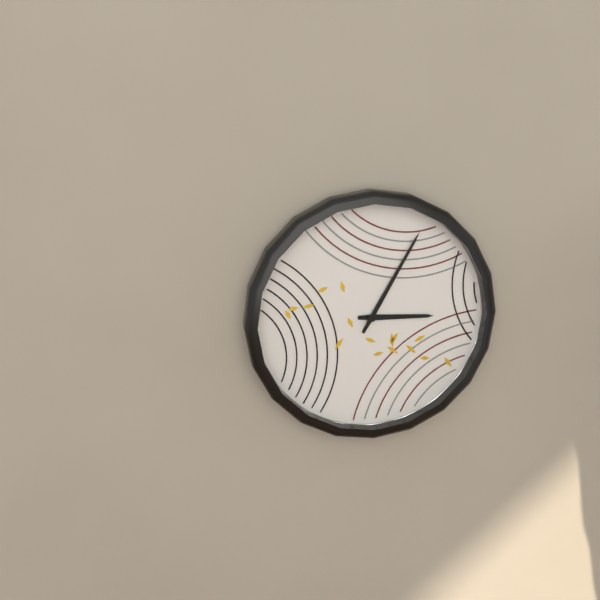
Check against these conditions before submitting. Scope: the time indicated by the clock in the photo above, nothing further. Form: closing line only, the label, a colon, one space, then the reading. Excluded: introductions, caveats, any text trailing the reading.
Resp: 3:05
